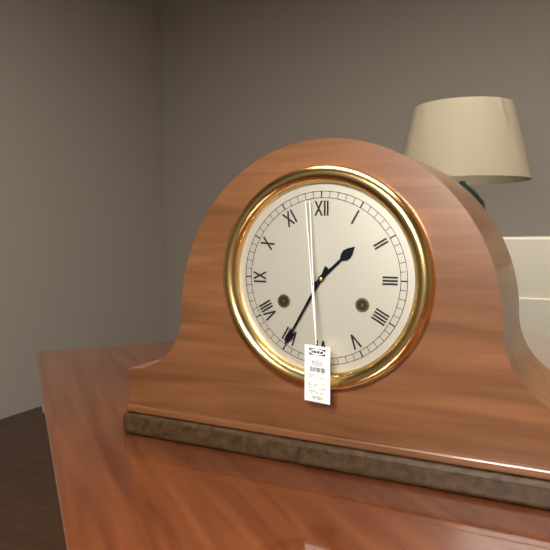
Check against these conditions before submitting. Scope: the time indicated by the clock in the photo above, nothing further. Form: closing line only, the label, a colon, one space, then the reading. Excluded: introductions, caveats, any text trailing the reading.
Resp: 1:35
